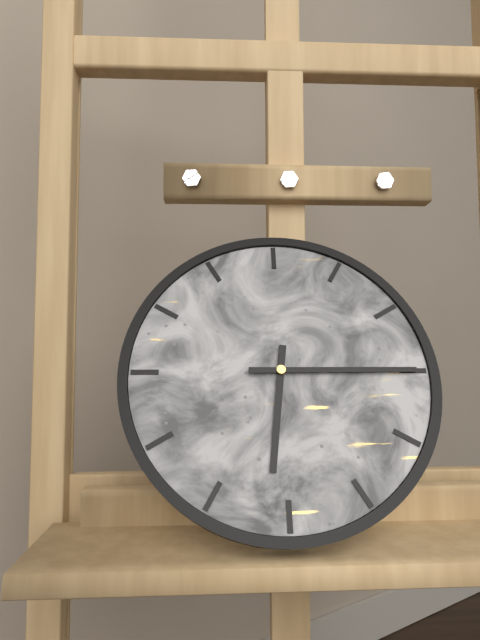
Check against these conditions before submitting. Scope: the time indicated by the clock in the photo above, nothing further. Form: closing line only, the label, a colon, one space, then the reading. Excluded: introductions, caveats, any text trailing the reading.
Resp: 6:15
